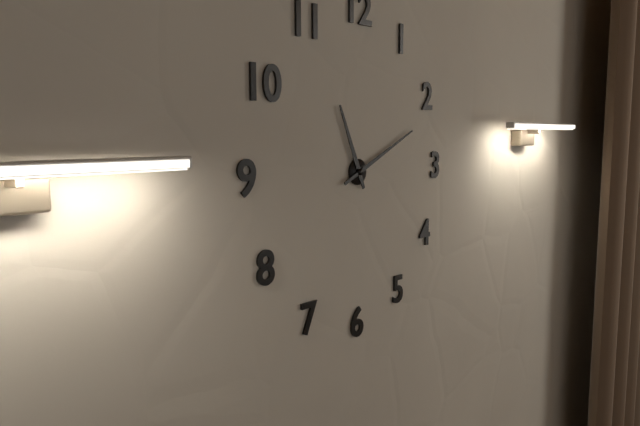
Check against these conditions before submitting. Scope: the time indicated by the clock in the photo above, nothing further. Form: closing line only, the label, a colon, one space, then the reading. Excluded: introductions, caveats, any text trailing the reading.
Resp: 11:11
